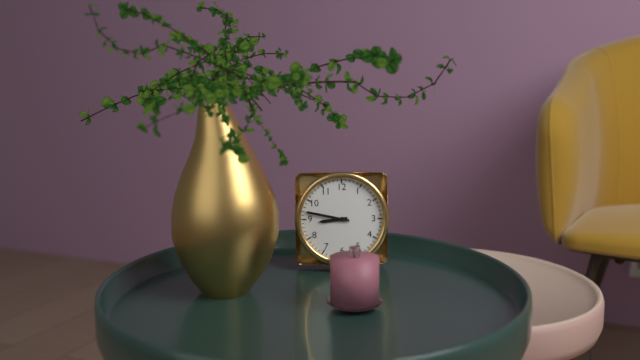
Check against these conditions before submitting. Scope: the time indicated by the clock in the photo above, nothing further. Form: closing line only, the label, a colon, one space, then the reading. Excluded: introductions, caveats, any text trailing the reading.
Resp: 8:47
